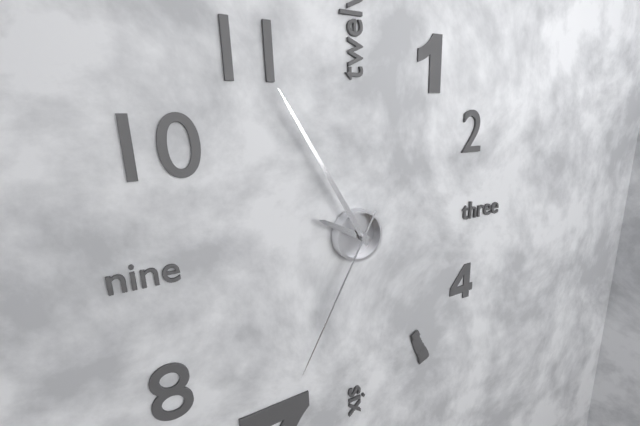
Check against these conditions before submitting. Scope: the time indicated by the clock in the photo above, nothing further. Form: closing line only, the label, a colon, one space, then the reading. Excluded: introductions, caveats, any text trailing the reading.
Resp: 9:55:35
